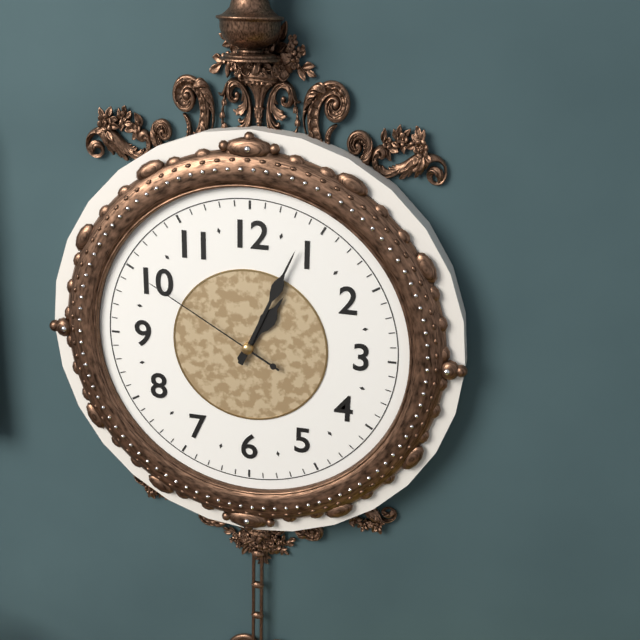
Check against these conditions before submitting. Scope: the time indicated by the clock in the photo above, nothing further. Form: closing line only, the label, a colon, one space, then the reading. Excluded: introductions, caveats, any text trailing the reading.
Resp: 1:04:50
